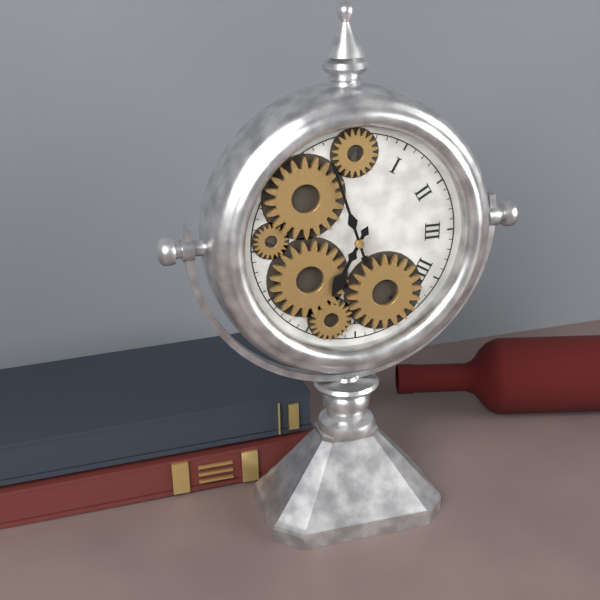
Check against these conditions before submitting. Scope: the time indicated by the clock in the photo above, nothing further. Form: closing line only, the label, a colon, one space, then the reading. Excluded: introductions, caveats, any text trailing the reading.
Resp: 6:57
